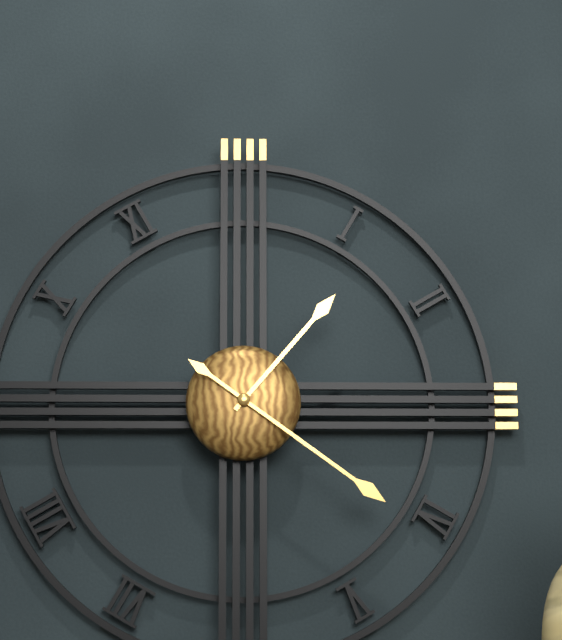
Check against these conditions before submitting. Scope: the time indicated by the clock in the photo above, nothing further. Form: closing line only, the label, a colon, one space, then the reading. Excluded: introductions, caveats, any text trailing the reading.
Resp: 1:21
